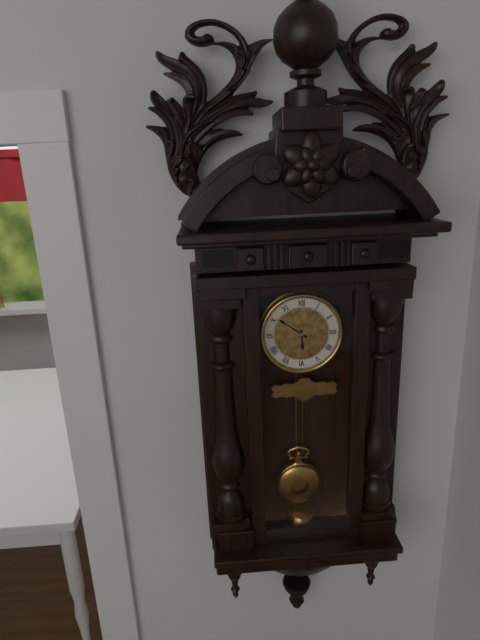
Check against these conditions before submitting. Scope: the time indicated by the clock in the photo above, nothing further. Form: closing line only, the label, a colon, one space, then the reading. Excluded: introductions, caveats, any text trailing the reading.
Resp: 5:51
